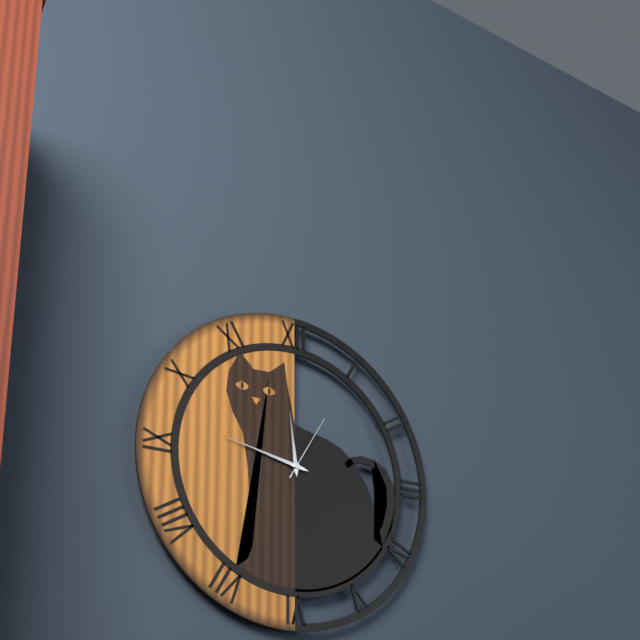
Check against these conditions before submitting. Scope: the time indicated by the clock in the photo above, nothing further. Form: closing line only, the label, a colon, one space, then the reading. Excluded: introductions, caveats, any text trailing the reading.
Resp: 11:47:05
